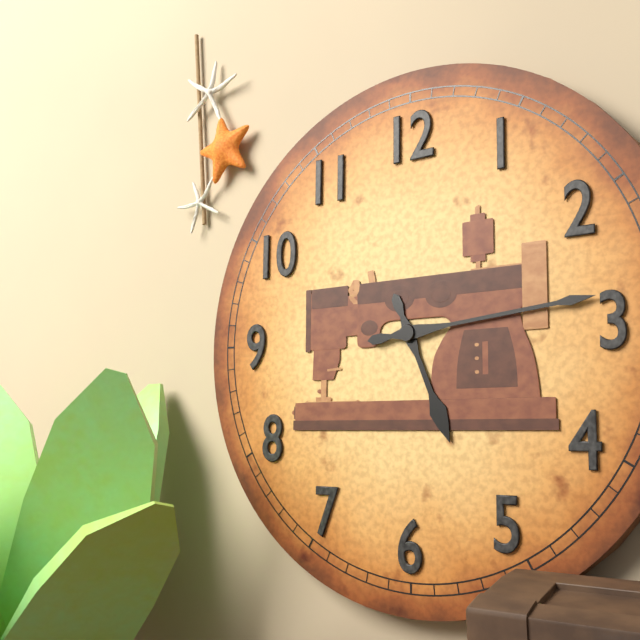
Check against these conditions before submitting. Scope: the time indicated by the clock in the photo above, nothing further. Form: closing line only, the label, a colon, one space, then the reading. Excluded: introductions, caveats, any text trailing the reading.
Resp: 5:14
